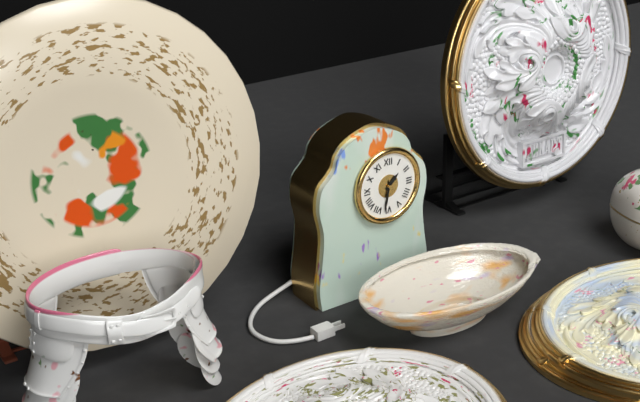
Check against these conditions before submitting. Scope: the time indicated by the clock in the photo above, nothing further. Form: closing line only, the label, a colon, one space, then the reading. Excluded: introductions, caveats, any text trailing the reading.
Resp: 1:32
